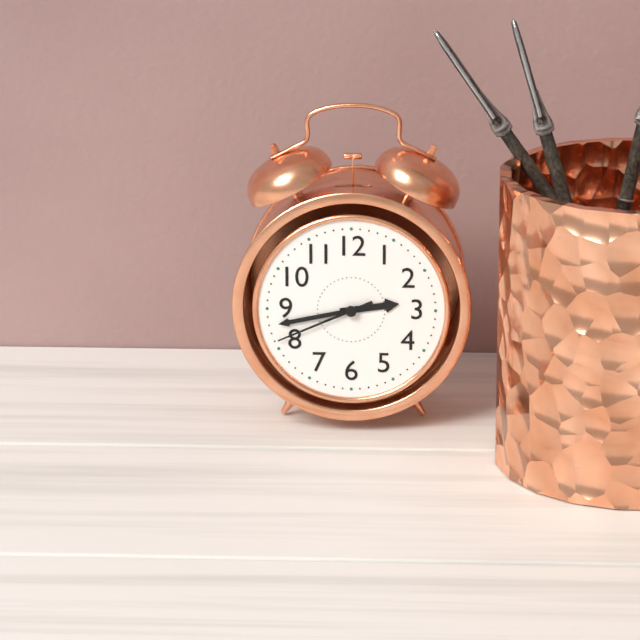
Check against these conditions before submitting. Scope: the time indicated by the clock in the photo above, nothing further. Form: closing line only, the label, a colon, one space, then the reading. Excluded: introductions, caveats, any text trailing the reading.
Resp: 2:43:41
